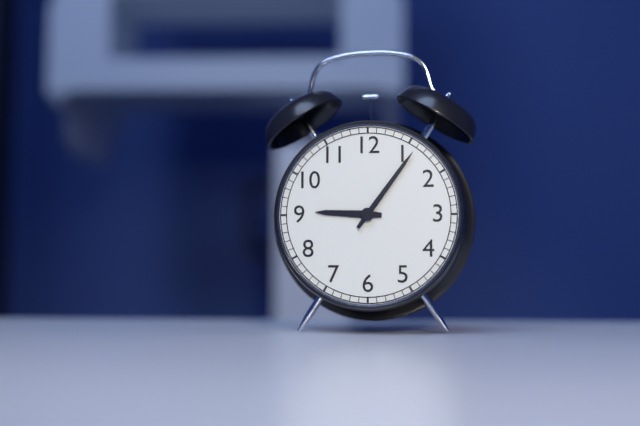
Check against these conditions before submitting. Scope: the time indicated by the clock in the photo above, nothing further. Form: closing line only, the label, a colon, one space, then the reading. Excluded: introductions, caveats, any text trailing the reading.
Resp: 9:06
